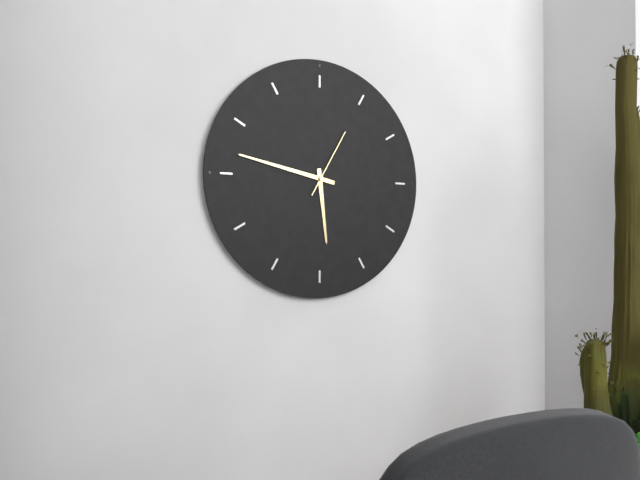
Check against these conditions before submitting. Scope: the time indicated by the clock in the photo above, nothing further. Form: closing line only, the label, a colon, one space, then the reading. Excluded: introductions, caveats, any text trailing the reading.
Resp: 5:47:05
